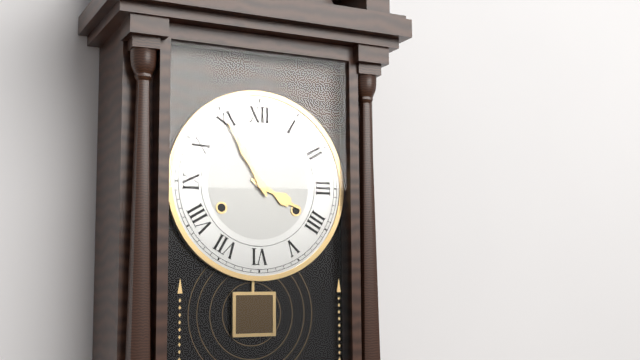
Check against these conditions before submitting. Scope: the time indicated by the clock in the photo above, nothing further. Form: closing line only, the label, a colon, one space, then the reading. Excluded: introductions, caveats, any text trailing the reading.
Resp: 3:55
